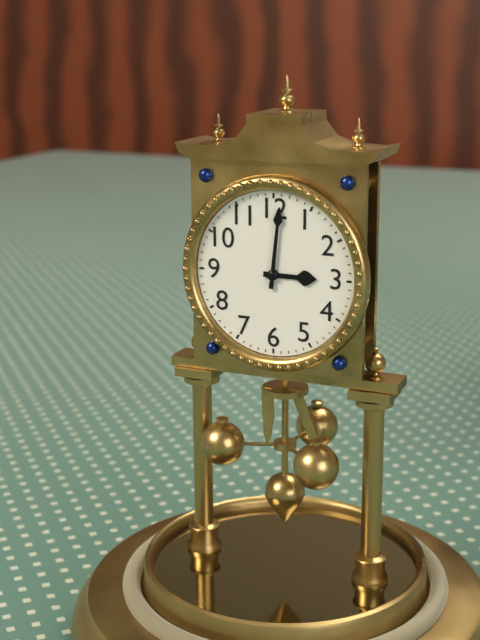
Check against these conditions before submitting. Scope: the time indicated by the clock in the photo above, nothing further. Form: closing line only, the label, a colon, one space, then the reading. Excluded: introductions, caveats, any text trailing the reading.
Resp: 3:01
